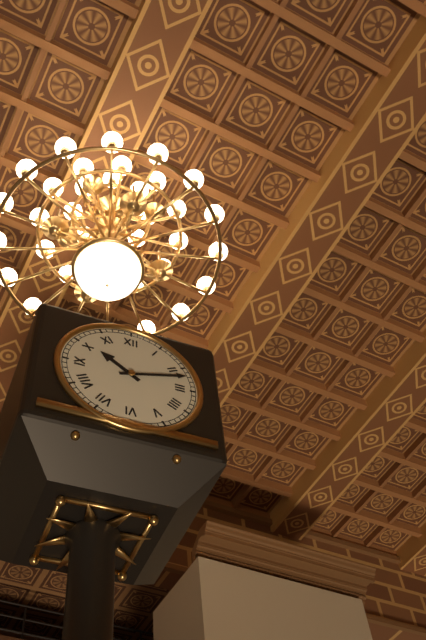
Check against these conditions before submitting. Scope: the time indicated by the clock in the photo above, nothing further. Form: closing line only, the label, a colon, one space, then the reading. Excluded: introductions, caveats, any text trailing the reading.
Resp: 10:12
